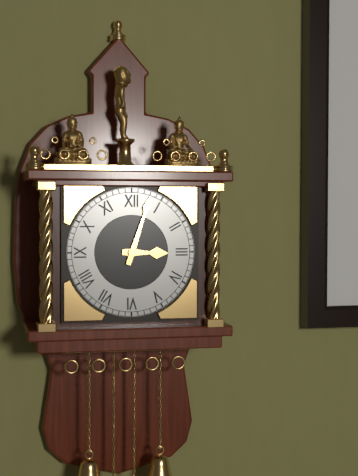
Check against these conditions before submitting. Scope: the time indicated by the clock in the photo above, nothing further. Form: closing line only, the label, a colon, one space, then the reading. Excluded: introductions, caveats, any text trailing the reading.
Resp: 3:03
